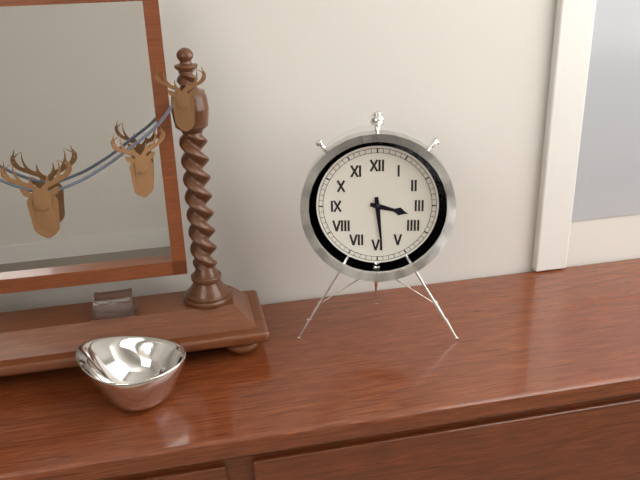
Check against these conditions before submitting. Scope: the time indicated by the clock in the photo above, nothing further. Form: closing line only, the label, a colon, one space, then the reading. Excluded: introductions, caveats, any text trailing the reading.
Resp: 3:29
